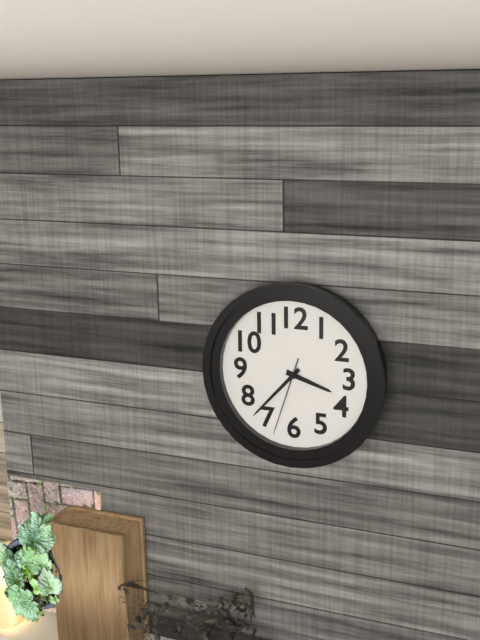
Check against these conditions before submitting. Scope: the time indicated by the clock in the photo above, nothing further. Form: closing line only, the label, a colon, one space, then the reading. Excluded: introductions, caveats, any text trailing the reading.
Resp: 3:37:33
